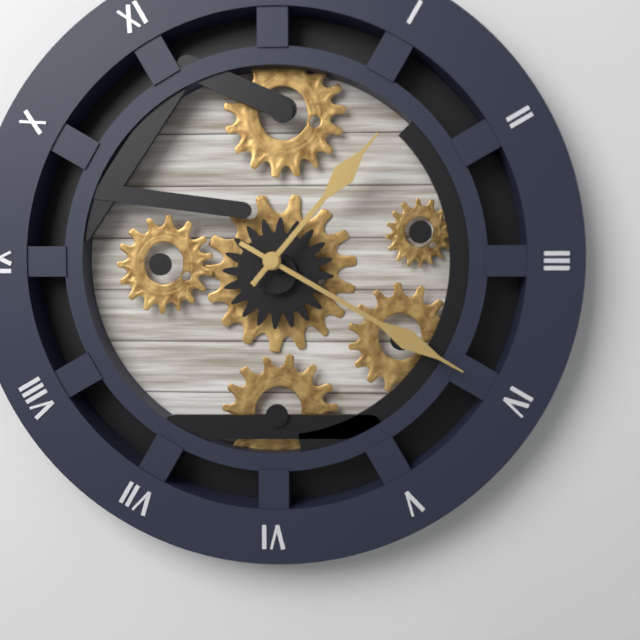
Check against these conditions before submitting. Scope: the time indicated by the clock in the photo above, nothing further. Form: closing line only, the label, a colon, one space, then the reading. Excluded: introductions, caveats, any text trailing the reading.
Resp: 1:20
